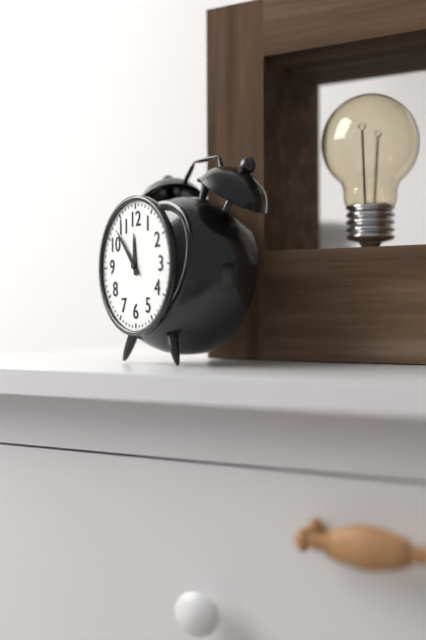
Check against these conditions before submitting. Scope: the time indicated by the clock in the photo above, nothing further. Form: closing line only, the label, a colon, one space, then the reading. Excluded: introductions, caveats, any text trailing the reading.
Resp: 11:53
